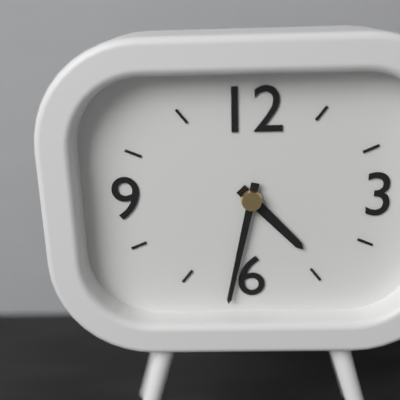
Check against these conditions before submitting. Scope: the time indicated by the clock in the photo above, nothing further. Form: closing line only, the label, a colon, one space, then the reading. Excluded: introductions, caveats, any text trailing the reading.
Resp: 4:32
